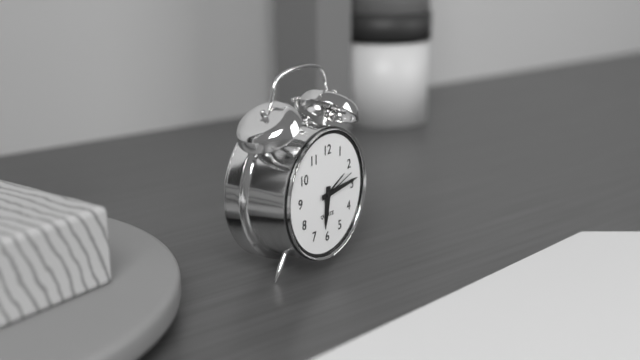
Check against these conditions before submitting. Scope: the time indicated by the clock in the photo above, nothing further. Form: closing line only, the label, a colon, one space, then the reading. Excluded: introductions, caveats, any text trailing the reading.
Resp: 6:14
